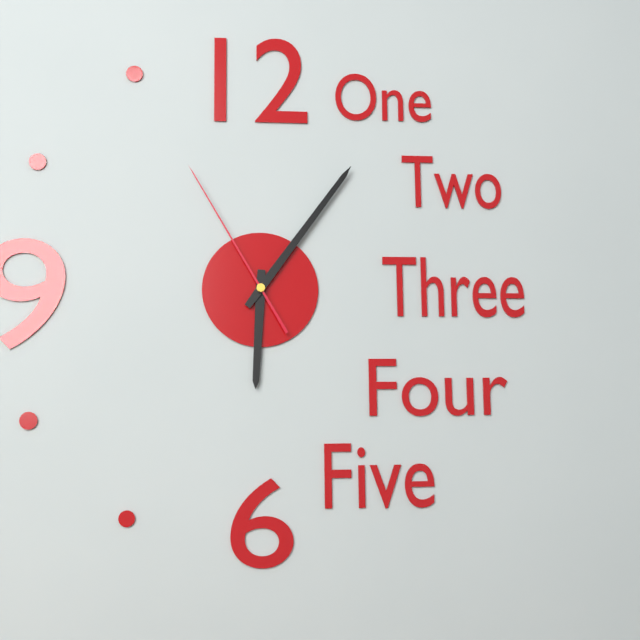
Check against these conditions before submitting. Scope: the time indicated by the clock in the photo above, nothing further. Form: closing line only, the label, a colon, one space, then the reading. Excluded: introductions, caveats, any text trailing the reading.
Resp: 6:06:55
